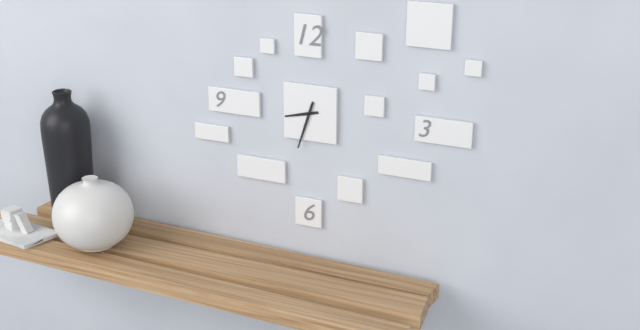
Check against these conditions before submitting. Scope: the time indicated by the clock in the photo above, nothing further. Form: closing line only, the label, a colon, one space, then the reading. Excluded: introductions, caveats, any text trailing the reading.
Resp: 8:33
